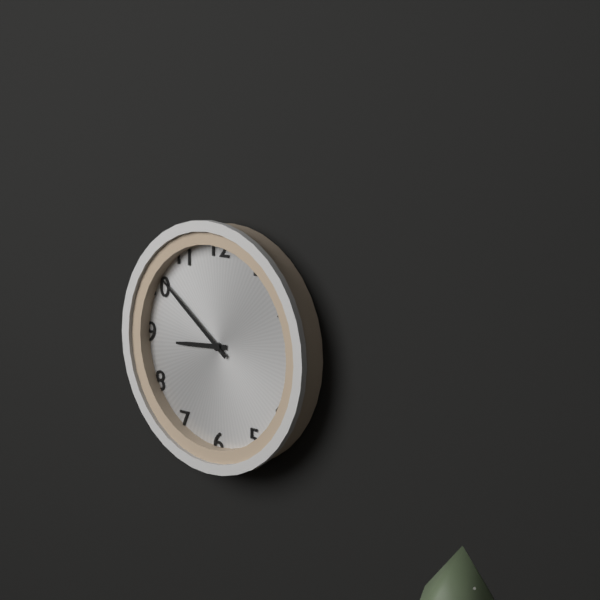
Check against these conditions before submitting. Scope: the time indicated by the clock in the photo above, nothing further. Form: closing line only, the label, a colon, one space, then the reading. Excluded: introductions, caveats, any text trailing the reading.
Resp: 8:51
